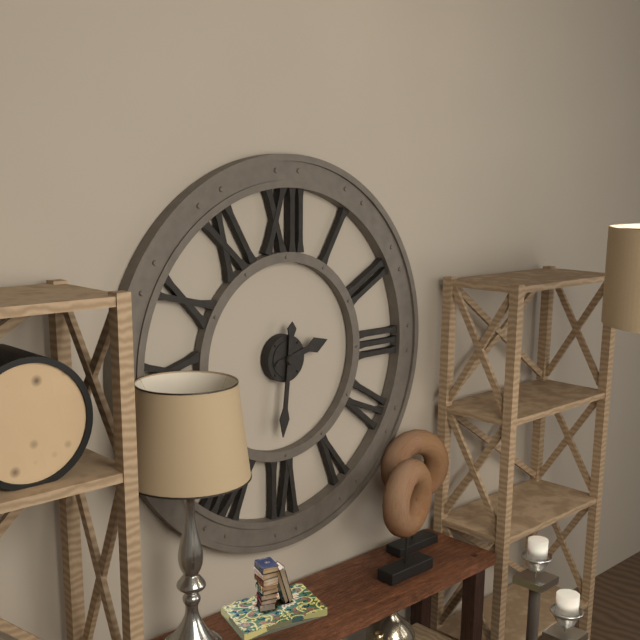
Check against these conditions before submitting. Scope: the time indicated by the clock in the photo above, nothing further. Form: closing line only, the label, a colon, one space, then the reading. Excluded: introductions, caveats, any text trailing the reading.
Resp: 2:31
